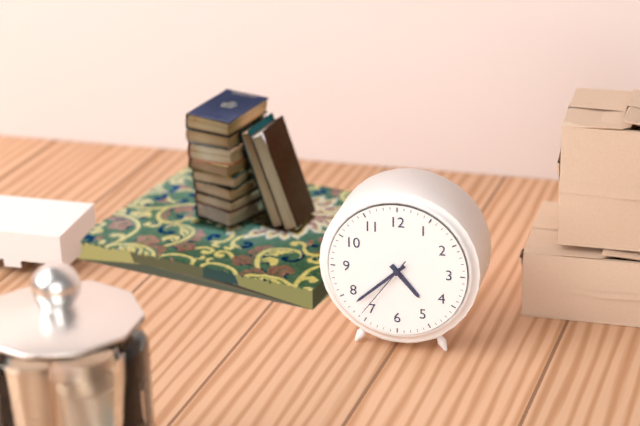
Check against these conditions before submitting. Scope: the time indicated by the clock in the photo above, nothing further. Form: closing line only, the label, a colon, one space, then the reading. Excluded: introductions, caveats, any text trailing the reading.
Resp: 4:38:36
